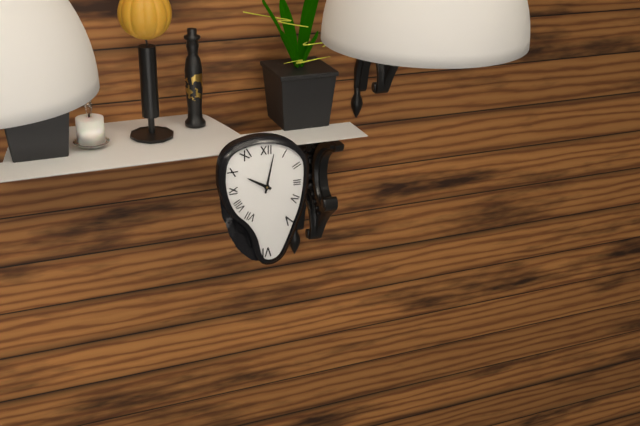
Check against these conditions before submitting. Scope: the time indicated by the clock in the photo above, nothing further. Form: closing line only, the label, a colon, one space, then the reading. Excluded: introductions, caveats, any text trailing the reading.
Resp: 10:02
